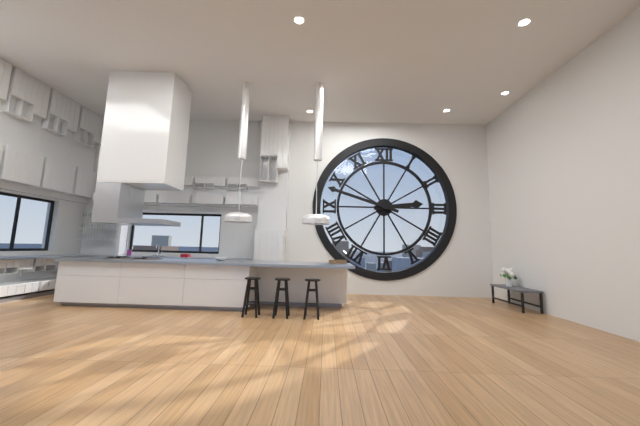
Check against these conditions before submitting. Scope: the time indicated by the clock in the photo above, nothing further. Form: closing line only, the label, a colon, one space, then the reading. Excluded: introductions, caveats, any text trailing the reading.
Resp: 2:48
